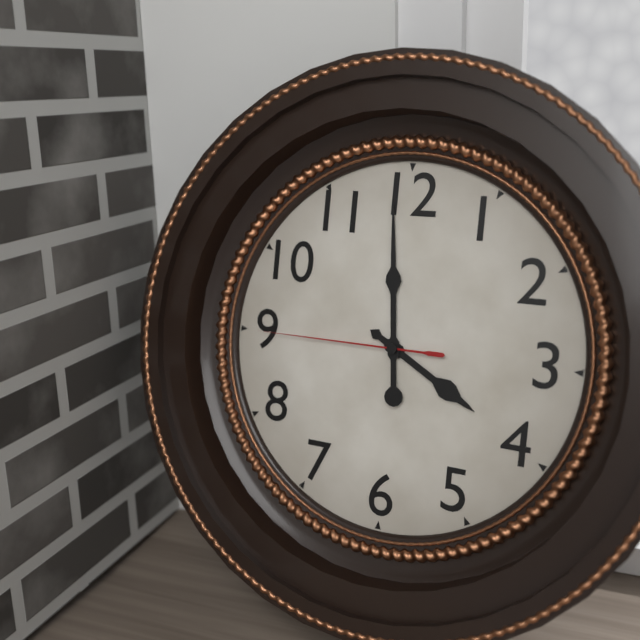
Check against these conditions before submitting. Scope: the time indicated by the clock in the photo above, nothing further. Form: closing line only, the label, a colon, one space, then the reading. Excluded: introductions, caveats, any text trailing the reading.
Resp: 3:59:45
